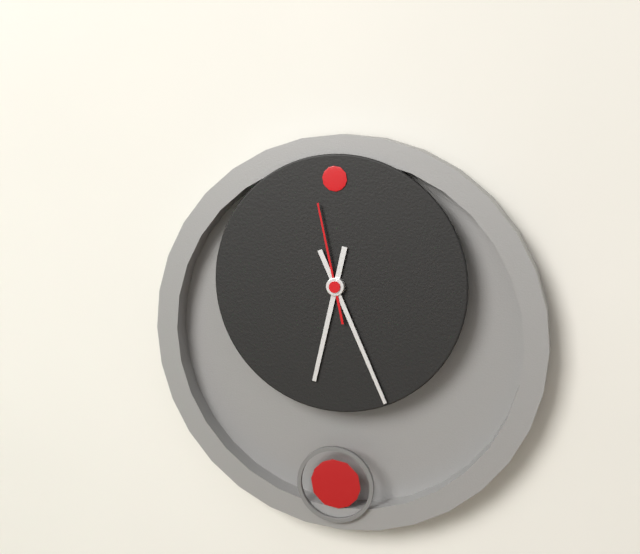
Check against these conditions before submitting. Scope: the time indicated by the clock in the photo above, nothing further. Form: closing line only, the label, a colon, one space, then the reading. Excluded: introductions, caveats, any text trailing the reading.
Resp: 6:26:58
